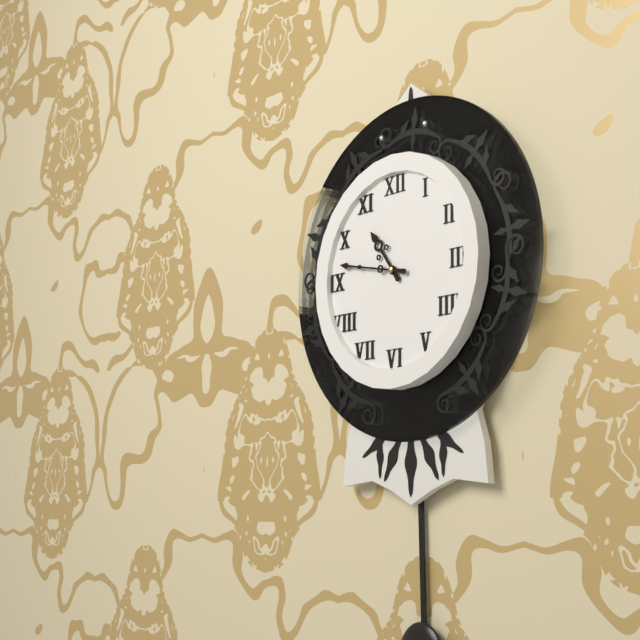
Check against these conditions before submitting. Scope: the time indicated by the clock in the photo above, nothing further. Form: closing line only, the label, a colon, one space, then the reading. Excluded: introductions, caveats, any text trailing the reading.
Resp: 10:47
